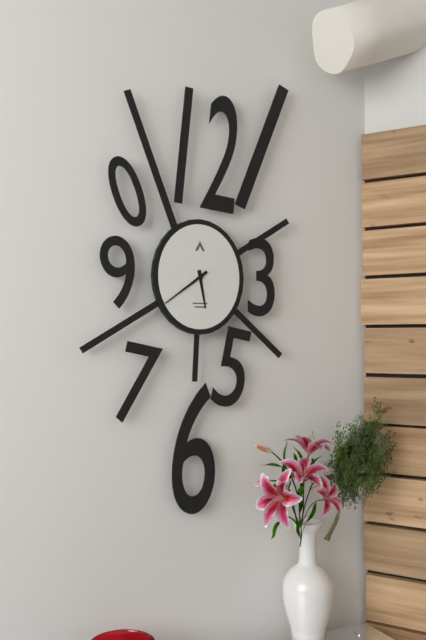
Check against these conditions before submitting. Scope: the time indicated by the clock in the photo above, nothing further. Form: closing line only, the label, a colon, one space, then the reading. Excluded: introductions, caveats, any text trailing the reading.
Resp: 5:39
